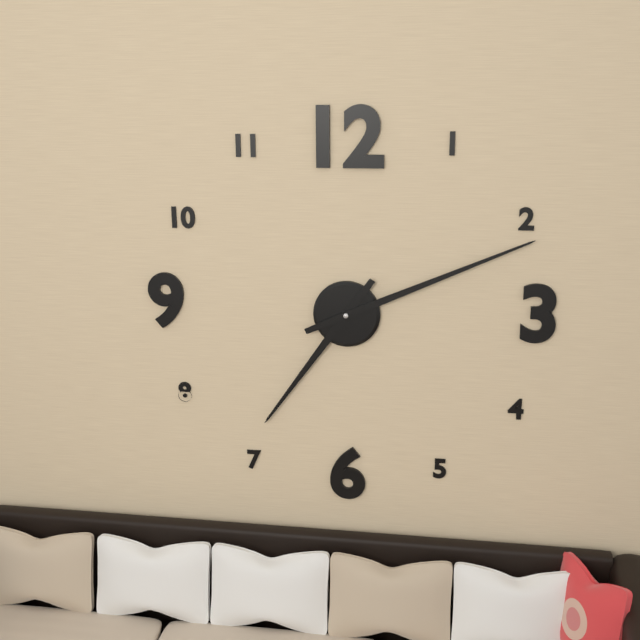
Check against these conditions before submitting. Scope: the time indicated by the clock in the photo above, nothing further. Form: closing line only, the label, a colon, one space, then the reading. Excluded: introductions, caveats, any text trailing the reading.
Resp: 7:11
